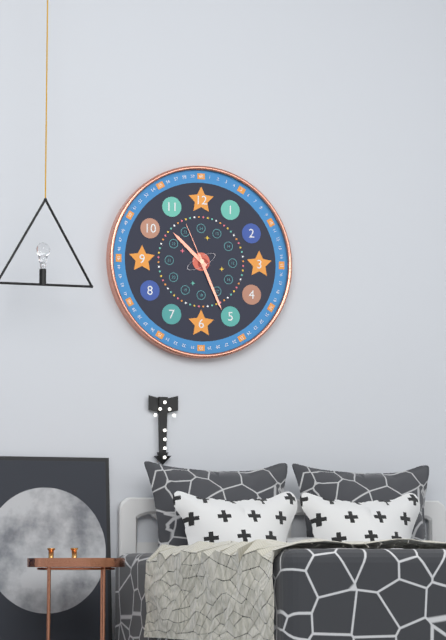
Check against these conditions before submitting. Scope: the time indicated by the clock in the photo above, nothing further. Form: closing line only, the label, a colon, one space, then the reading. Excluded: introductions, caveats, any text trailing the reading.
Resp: 10:26:56
